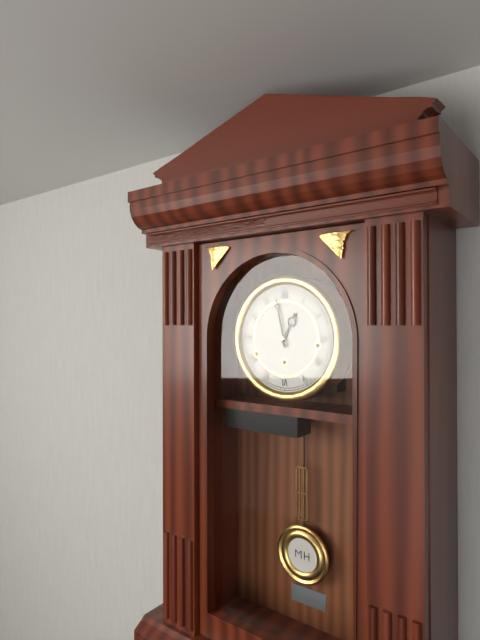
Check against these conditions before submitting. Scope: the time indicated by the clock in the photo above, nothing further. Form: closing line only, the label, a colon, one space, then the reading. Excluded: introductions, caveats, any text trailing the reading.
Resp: 12:58
